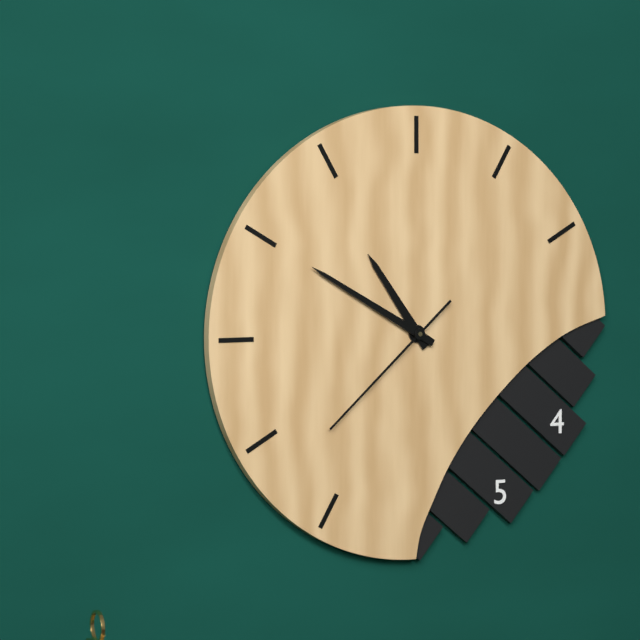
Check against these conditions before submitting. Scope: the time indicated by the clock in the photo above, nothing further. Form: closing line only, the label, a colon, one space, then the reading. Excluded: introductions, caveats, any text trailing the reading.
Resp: 10:50:38
